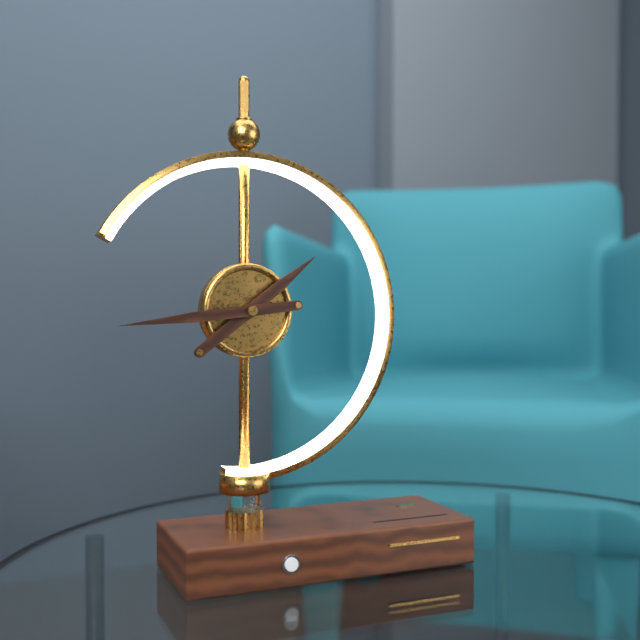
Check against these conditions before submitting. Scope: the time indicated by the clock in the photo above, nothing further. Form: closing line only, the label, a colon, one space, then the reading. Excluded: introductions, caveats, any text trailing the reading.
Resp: 1:44
